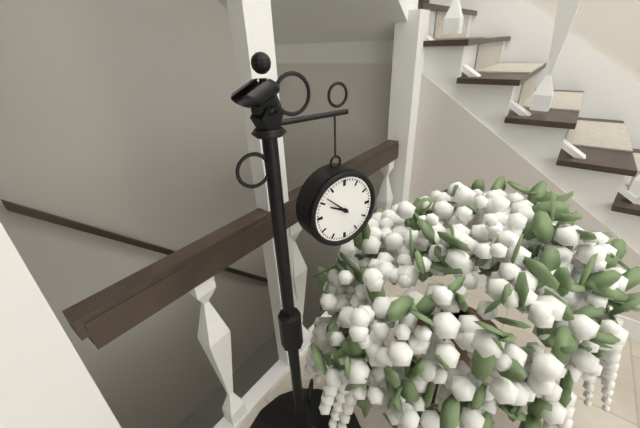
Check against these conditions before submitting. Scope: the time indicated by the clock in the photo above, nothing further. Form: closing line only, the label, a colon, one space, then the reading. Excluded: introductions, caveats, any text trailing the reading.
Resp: 9:52
